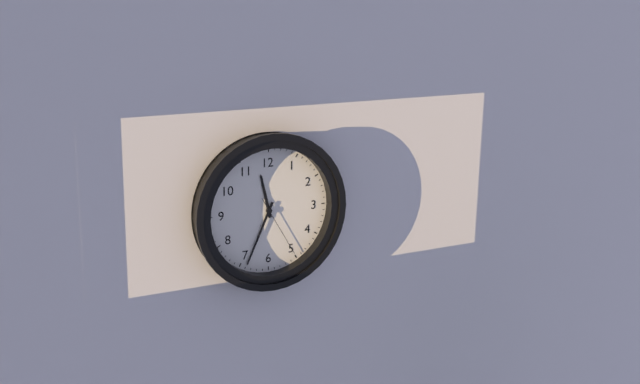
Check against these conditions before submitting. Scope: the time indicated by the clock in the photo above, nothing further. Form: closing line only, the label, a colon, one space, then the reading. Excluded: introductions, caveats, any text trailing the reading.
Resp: 11:34:25
